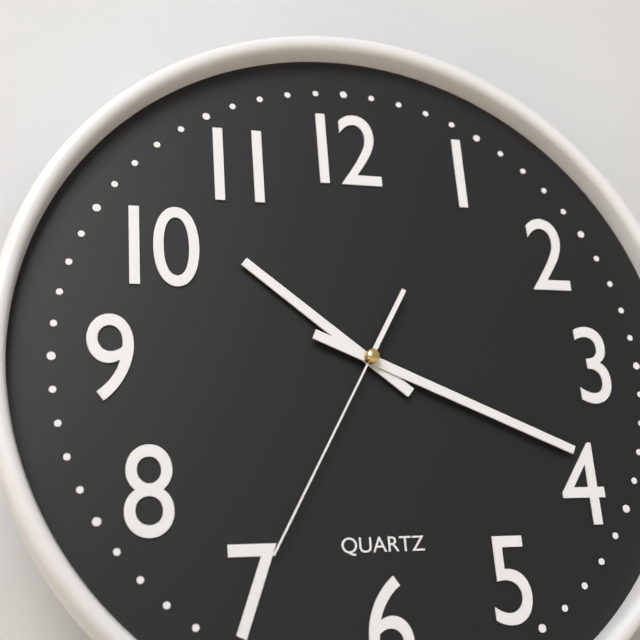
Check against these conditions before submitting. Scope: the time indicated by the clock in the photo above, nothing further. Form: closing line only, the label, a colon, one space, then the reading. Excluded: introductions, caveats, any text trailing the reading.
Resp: 10:19:35
